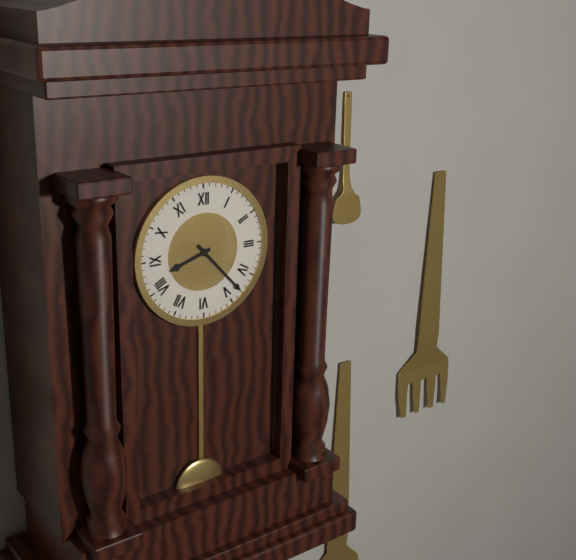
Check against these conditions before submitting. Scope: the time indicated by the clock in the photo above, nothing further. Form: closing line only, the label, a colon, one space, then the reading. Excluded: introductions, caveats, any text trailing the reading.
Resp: 8:23
